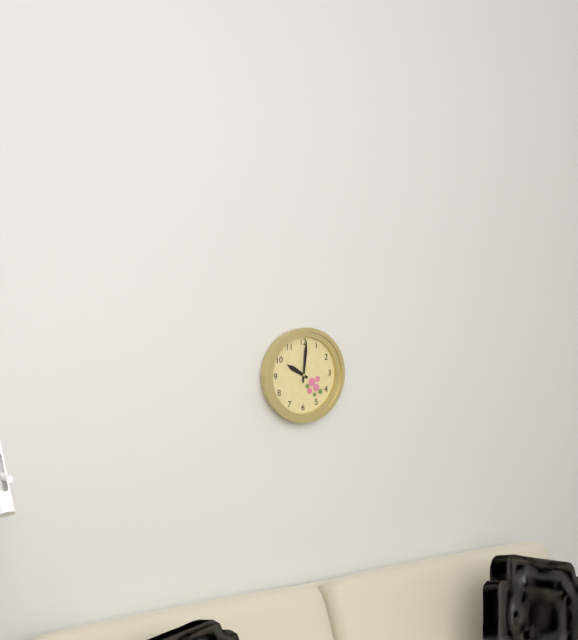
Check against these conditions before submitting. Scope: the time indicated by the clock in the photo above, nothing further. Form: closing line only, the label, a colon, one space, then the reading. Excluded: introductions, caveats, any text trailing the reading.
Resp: 10:01
